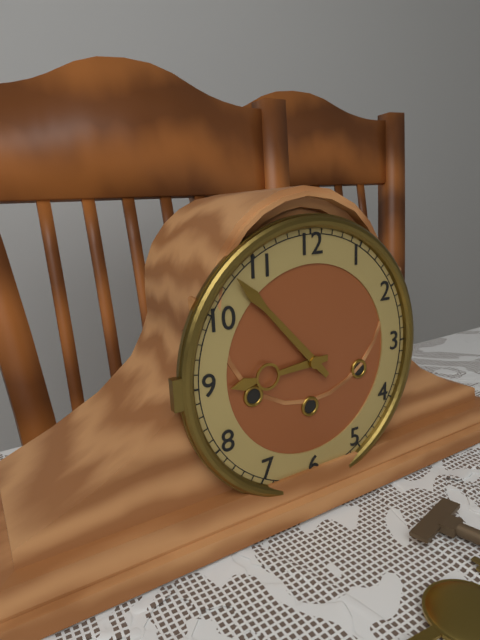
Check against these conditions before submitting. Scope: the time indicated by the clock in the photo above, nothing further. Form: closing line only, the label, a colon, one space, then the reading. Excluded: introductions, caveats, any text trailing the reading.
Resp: 8:53
